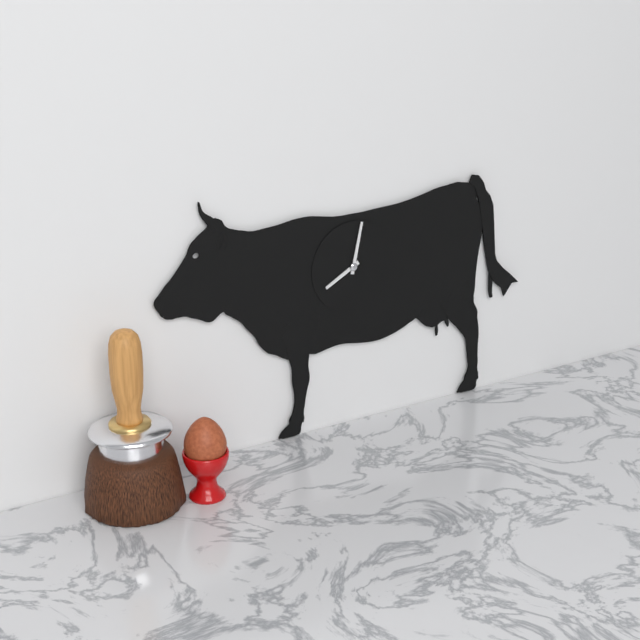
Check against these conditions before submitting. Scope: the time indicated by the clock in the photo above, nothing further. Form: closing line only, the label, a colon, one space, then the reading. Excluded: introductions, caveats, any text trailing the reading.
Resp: 8:02
